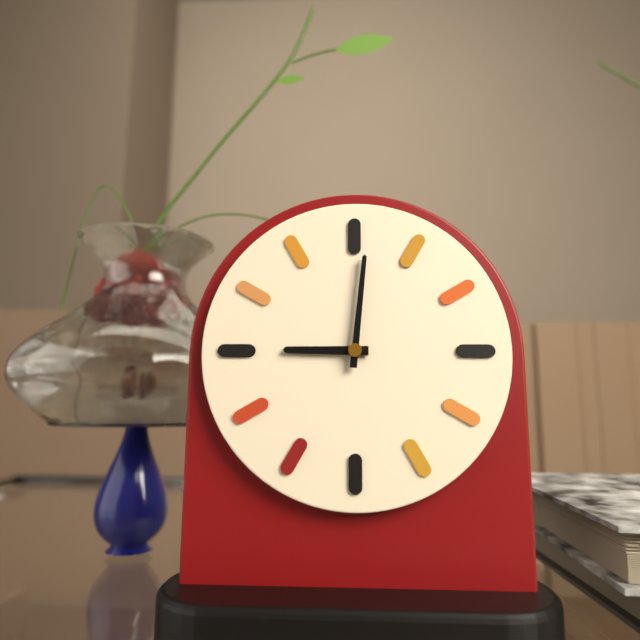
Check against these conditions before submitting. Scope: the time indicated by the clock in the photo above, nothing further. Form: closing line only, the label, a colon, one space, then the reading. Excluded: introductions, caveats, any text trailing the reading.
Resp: 9:01
